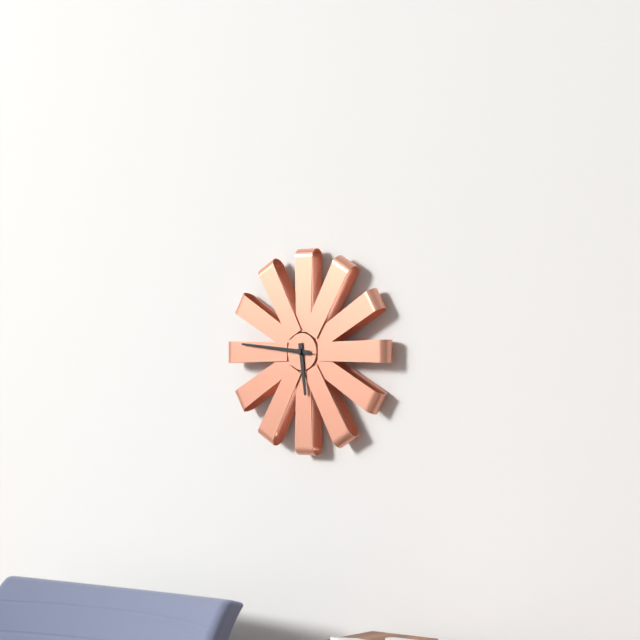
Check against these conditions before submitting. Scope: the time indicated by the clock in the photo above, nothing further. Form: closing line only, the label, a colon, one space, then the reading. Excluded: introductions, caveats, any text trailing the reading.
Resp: 5:46:46
